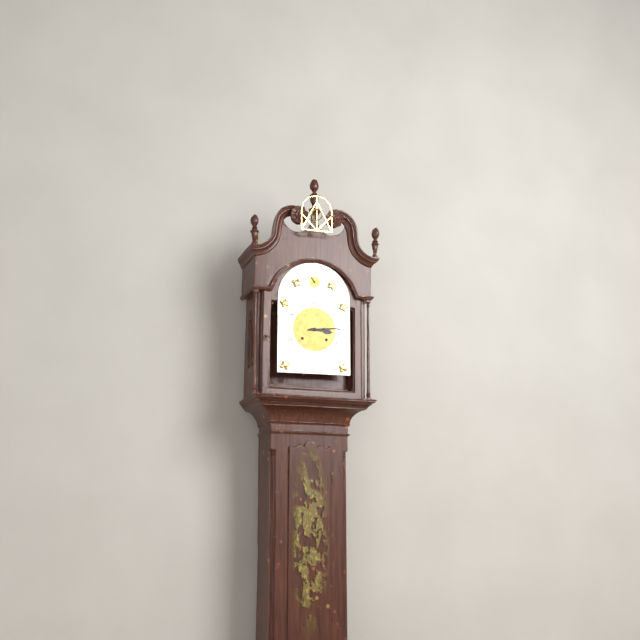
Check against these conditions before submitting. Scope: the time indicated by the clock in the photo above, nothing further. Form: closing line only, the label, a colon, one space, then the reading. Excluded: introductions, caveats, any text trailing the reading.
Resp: 3:14
